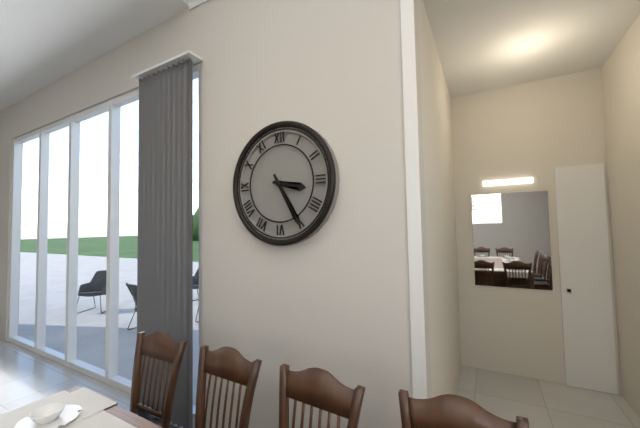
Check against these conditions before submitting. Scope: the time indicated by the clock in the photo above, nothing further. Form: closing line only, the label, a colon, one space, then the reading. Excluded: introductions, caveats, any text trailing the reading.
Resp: 3:25
